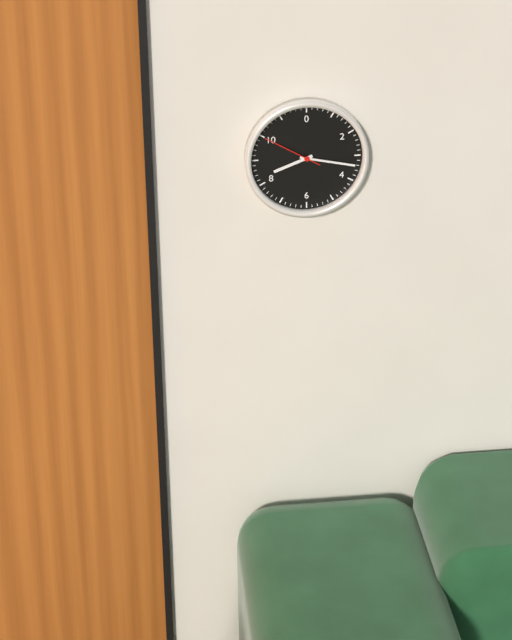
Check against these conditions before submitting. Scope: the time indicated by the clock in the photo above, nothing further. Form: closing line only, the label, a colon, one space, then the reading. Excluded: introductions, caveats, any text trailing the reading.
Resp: 8:17:50
